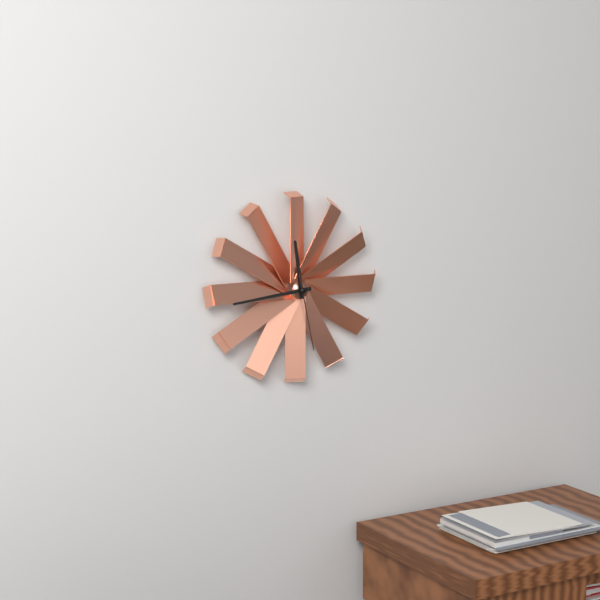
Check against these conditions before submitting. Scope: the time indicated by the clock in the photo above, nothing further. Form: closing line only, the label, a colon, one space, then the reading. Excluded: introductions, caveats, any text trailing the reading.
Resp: 11:44:28
